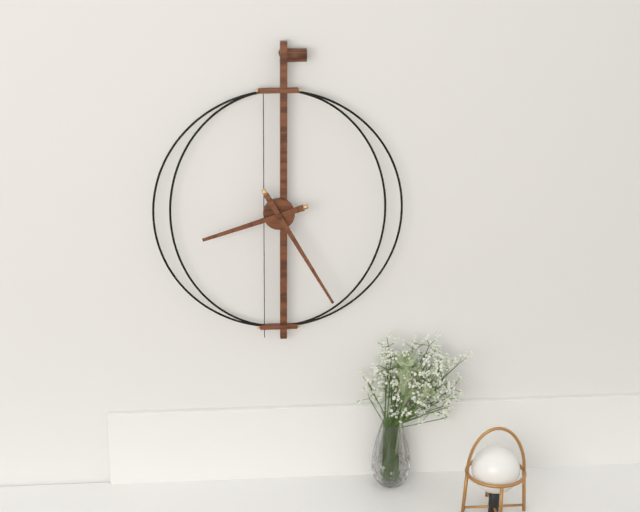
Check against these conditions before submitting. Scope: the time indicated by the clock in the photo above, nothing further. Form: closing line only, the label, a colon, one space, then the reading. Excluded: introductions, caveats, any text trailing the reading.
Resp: 8:25
